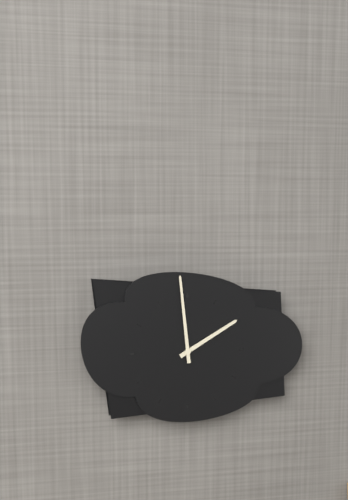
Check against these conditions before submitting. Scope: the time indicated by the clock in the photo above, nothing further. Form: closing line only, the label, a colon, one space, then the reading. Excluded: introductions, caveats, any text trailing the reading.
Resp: 1:59
